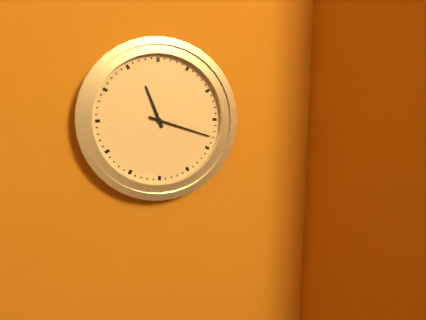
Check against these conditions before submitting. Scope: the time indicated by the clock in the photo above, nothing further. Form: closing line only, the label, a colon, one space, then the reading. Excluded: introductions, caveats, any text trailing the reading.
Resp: 11:18
